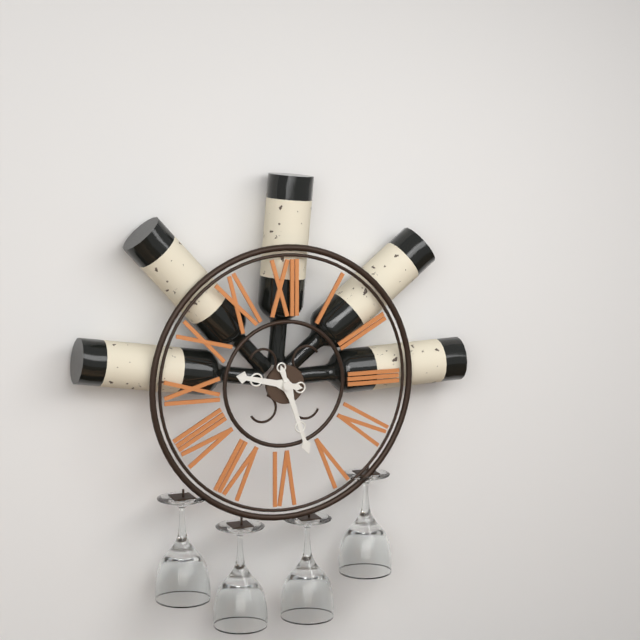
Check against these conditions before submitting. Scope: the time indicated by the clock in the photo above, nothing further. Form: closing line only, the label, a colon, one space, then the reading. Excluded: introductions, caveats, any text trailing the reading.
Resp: 9:27
